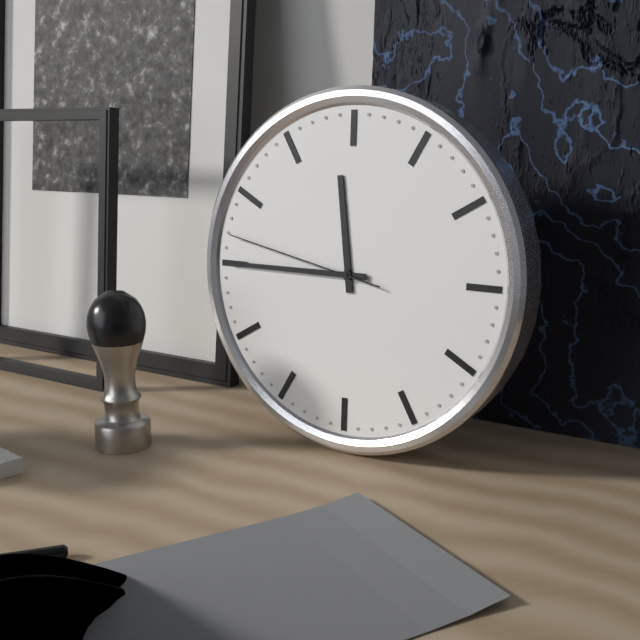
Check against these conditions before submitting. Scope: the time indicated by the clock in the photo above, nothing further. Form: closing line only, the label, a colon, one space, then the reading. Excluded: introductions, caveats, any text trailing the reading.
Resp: 11:45:47
